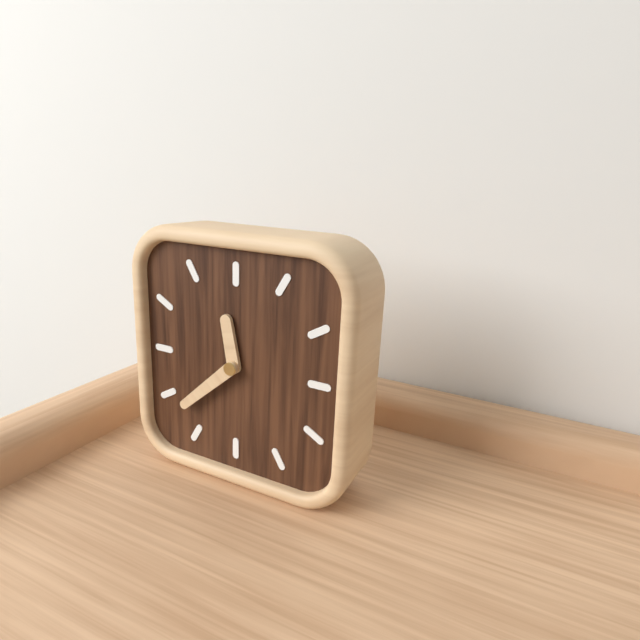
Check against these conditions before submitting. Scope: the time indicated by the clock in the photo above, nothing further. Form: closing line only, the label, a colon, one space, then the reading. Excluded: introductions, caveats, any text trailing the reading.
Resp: 11:38
